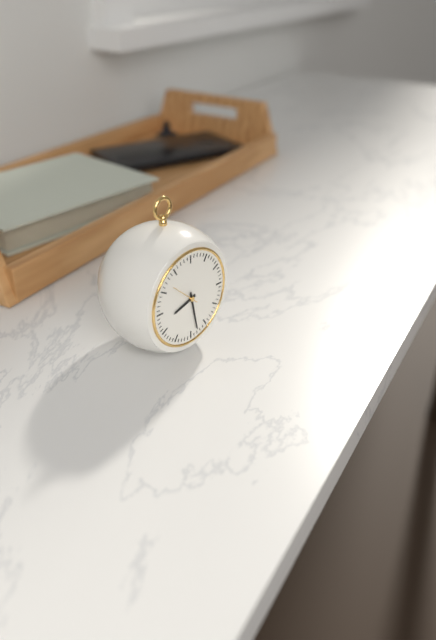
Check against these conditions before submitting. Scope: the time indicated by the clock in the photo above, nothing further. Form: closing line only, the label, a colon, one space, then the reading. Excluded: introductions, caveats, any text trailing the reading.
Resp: 8:28
